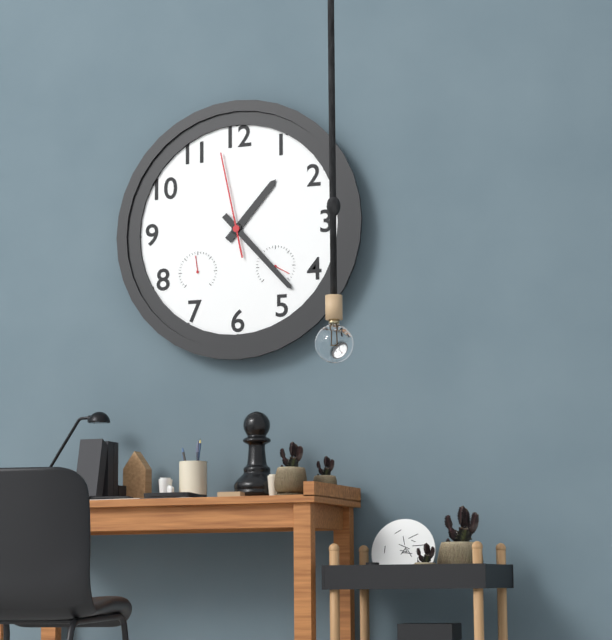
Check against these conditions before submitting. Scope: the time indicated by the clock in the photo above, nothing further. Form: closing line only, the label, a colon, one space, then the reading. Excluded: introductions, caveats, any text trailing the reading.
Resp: 1:23:58
